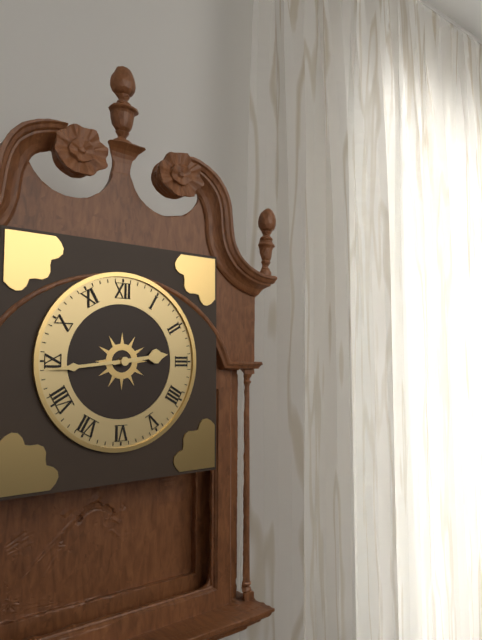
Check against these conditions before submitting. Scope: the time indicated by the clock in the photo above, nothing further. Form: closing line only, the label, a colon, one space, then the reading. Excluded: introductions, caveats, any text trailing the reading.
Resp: 2:44
